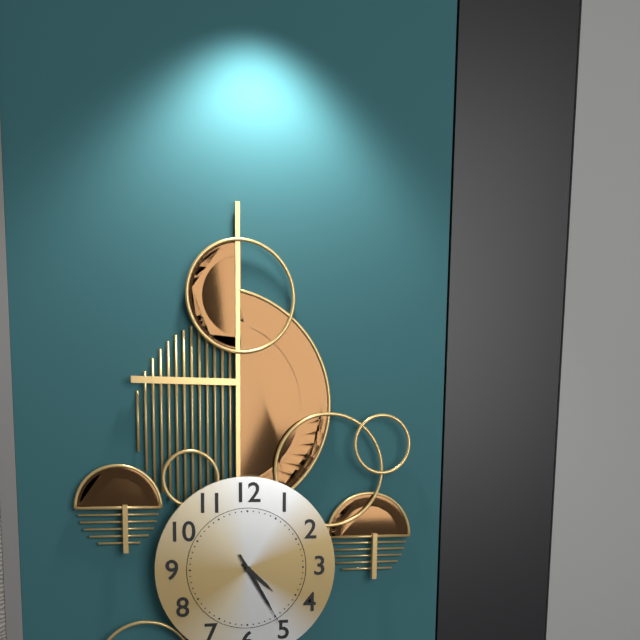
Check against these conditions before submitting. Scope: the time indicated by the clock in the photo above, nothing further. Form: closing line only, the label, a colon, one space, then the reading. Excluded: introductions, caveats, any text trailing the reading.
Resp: 4:25:25
